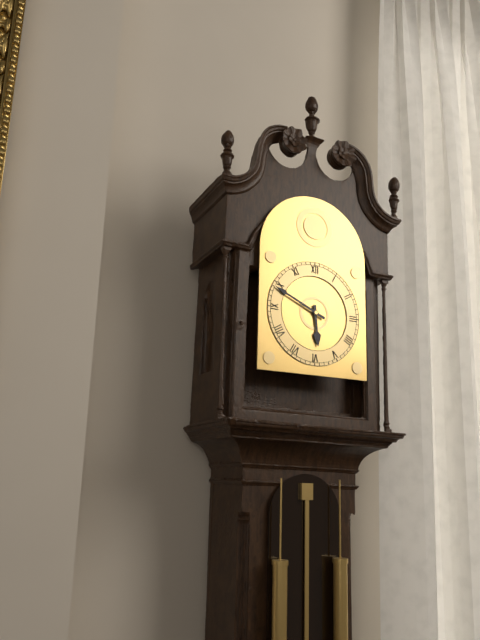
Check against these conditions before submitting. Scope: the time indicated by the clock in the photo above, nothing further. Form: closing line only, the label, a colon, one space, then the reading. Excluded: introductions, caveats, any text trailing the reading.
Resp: 5:49
